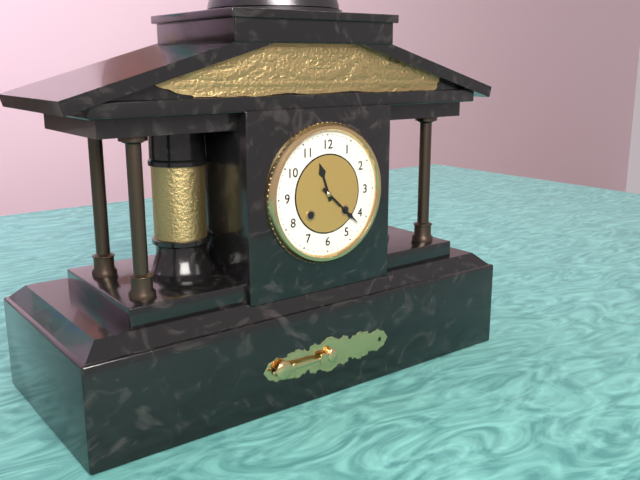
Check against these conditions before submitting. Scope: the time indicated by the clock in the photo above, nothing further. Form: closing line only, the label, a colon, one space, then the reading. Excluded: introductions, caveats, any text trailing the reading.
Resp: 11:22
